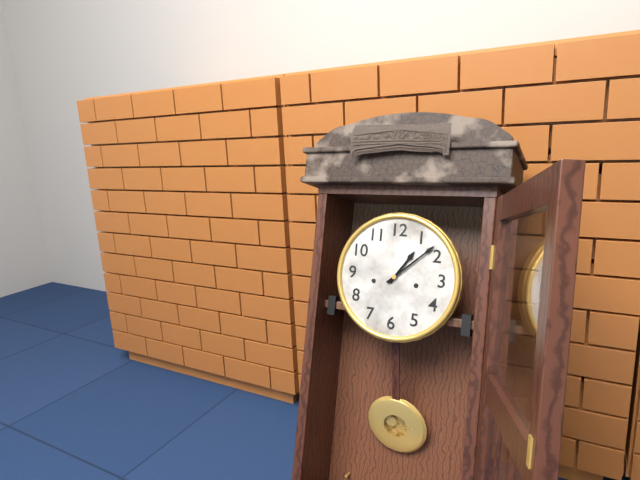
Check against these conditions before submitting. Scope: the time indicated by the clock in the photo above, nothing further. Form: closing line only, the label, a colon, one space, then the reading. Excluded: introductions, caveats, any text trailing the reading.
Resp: 1:08
